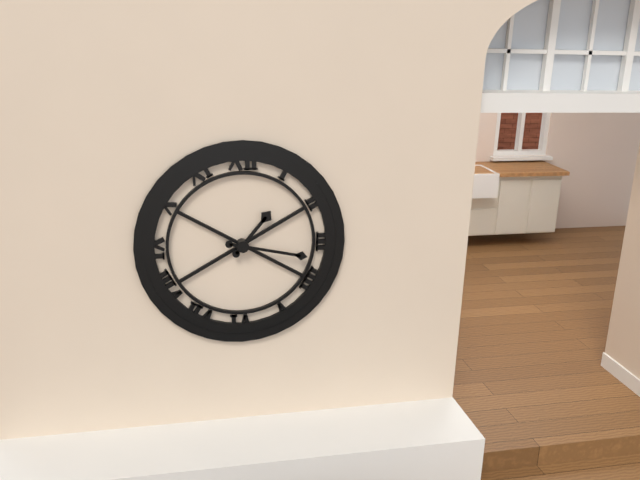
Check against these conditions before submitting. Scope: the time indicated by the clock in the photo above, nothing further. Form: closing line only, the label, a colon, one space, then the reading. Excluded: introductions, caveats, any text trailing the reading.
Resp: 1:17
